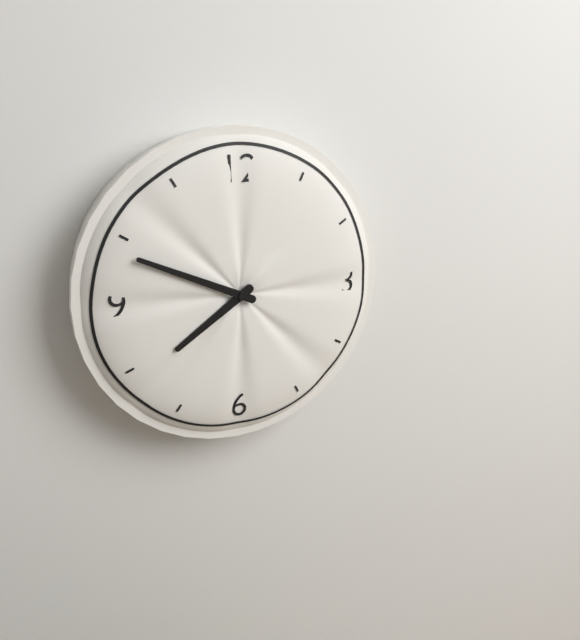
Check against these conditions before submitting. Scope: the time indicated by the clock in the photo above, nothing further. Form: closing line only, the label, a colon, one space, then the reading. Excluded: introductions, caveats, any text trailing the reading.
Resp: 7:49
